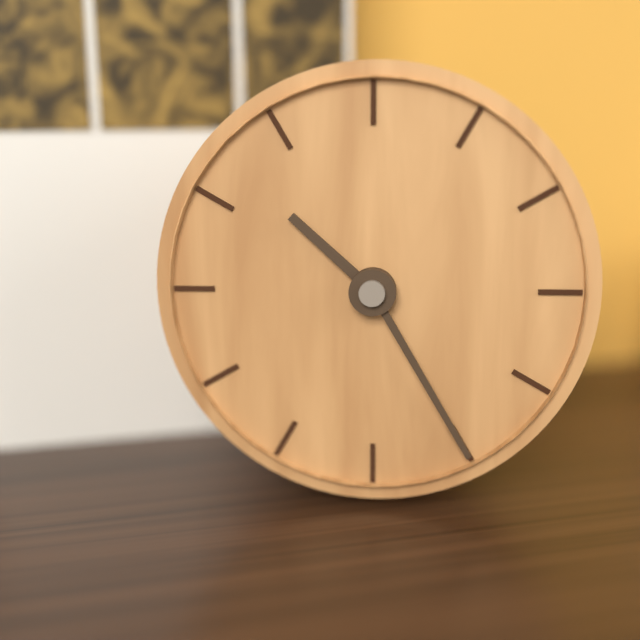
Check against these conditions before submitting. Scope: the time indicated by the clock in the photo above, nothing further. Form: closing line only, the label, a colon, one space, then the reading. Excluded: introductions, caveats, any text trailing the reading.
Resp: 10:25
